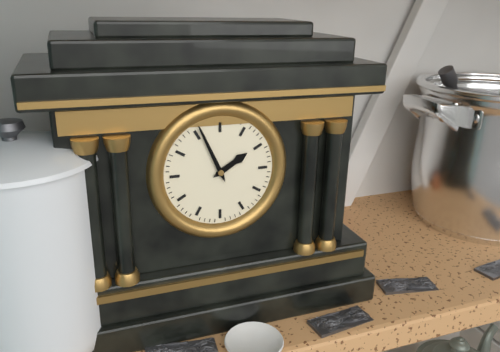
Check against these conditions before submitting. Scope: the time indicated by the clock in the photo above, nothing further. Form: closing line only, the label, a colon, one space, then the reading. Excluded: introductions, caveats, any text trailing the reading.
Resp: 1:56
